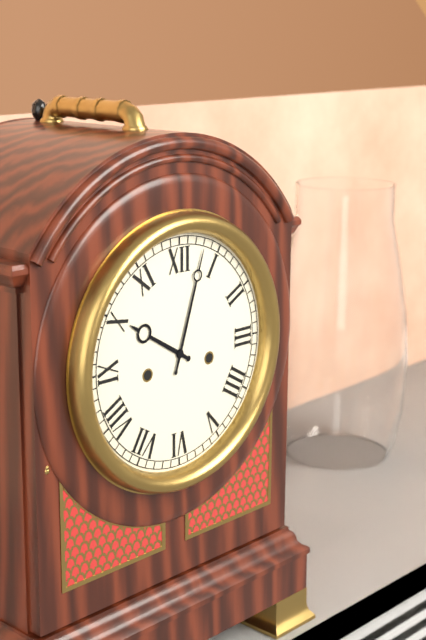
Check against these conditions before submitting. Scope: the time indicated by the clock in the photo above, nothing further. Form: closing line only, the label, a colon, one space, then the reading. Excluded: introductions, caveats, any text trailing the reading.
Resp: 10:03
